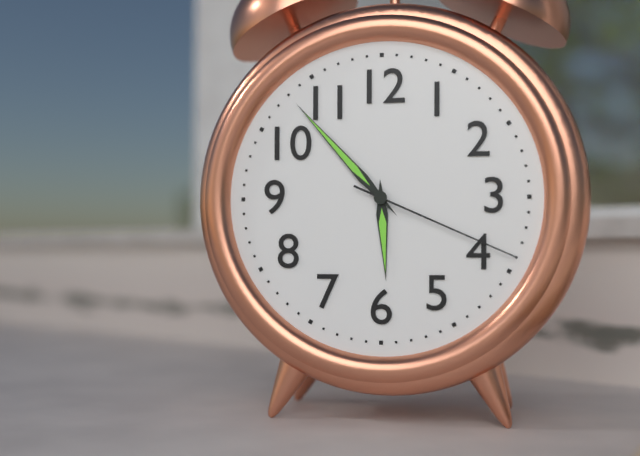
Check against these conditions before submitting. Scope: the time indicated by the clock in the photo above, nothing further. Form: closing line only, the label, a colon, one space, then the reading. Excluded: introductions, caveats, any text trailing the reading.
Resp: 5:53:19
